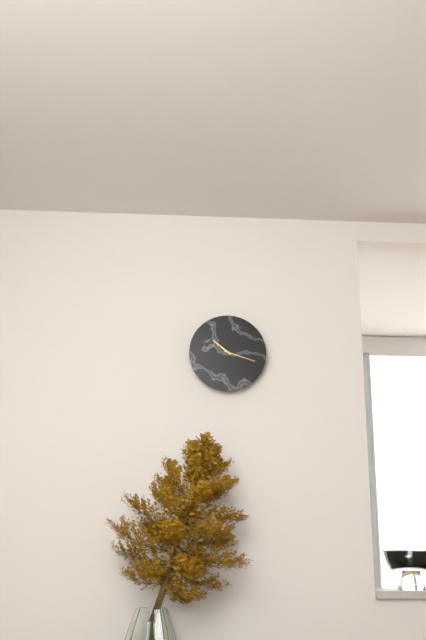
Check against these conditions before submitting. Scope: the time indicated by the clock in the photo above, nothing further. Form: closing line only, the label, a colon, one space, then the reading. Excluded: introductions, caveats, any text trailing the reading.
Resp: 10:18
